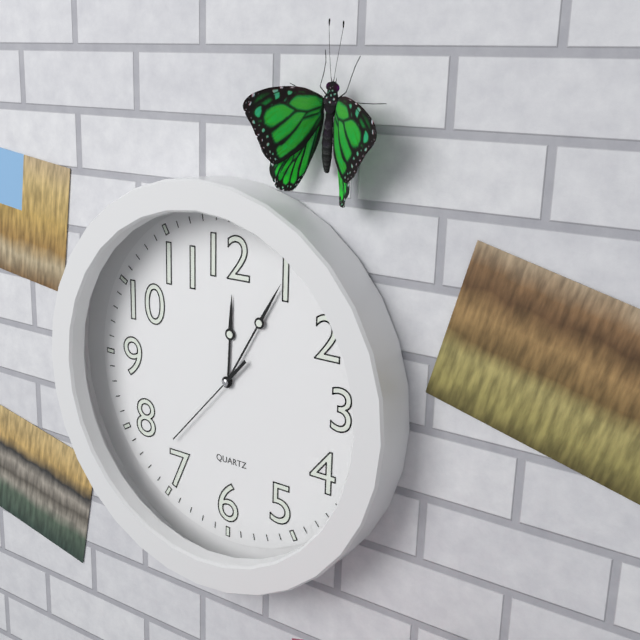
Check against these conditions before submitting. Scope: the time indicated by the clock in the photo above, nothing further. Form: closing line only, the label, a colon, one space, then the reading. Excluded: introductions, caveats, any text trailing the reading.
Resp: 12:05:37
